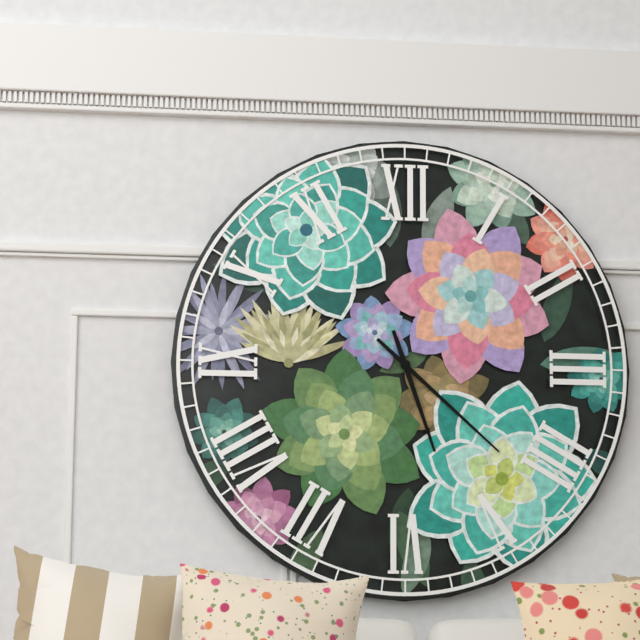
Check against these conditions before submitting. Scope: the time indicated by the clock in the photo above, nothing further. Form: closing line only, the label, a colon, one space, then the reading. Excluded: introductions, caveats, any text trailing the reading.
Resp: 5:22
